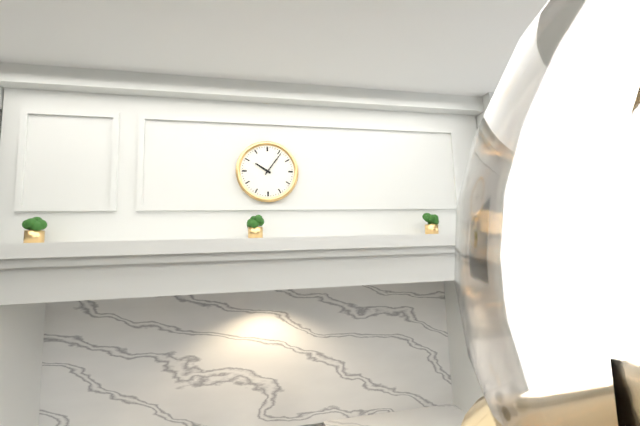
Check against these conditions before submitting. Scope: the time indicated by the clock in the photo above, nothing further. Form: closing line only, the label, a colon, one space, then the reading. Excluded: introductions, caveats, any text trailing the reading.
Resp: 10:06
